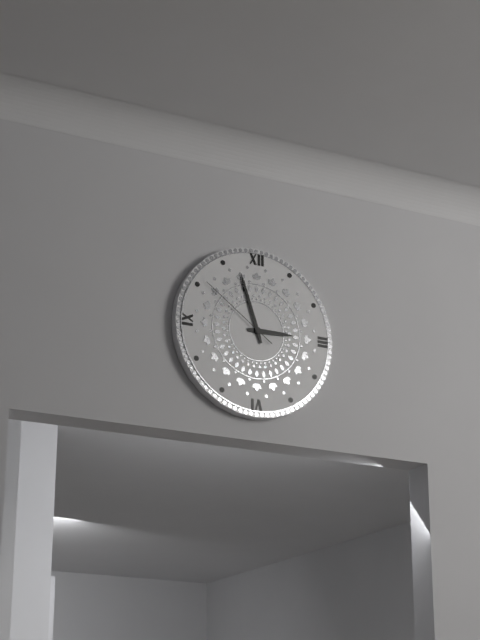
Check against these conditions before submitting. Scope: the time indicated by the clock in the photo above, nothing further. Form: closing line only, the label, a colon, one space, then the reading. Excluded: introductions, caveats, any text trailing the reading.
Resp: 2:57:51
